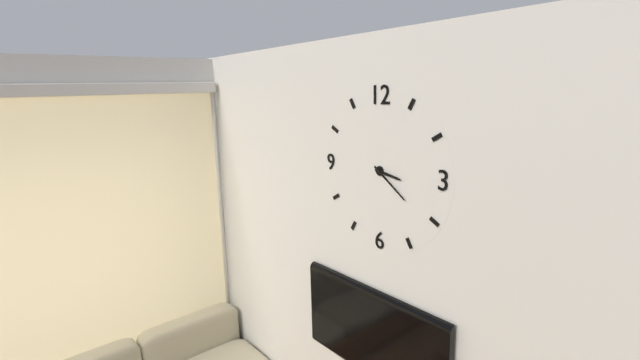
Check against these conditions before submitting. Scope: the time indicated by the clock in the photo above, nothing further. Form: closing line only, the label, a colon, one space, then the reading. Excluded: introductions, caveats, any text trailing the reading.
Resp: 3:21
